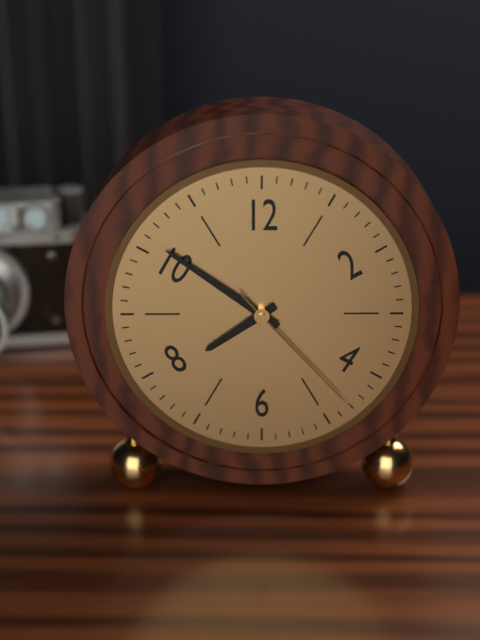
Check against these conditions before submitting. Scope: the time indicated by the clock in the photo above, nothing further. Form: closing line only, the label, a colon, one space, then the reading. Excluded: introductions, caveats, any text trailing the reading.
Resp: 7:51:23
